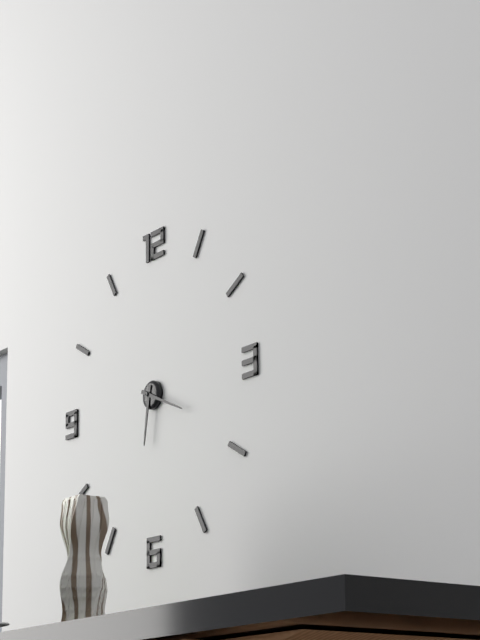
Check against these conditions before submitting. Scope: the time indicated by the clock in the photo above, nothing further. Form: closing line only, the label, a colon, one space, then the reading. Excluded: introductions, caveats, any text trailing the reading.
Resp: 6:19
